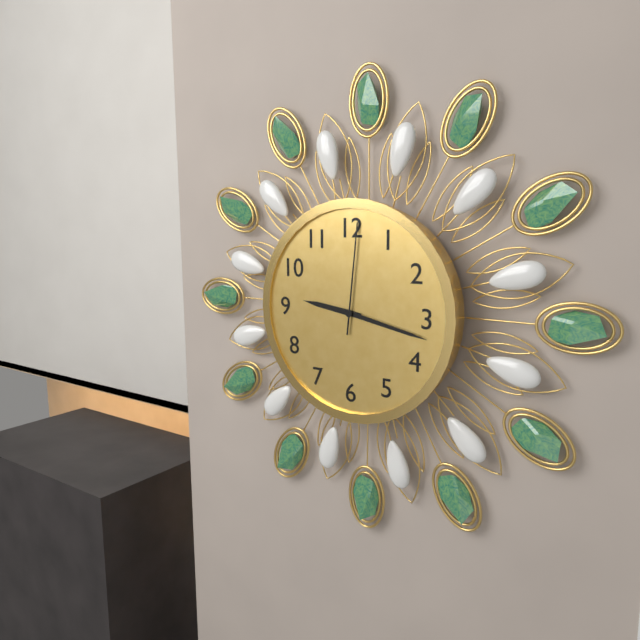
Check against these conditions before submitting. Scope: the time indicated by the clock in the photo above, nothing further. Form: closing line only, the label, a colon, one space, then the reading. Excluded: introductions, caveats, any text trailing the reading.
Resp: 9:17:01
